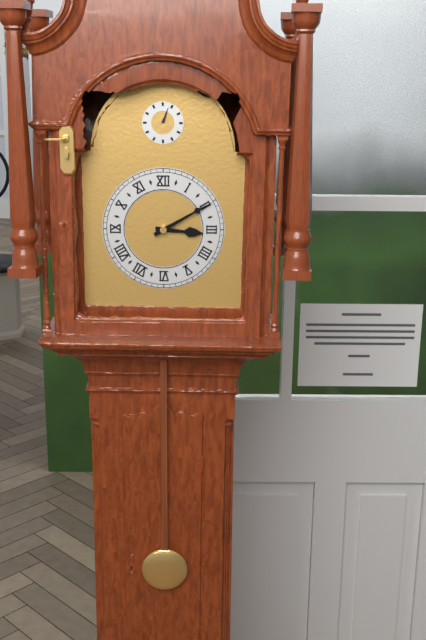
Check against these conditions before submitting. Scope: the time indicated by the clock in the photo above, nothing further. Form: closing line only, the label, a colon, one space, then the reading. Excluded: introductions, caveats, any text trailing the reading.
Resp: 3:10
